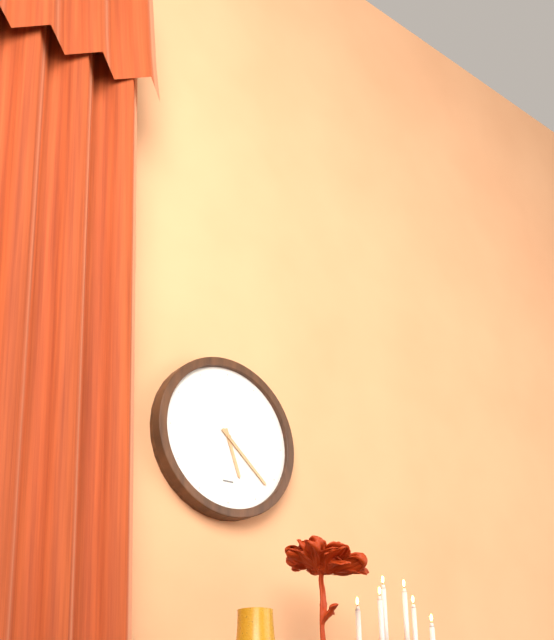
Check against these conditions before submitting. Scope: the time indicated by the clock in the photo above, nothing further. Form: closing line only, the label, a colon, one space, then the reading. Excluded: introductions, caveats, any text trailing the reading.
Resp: 5:22
